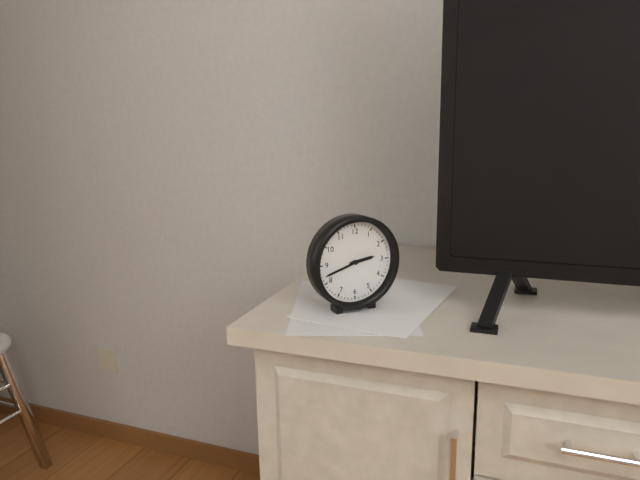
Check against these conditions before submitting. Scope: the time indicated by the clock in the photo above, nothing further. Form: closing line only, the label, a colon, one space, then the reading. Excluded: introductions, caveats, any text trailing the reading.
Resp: 2:42
